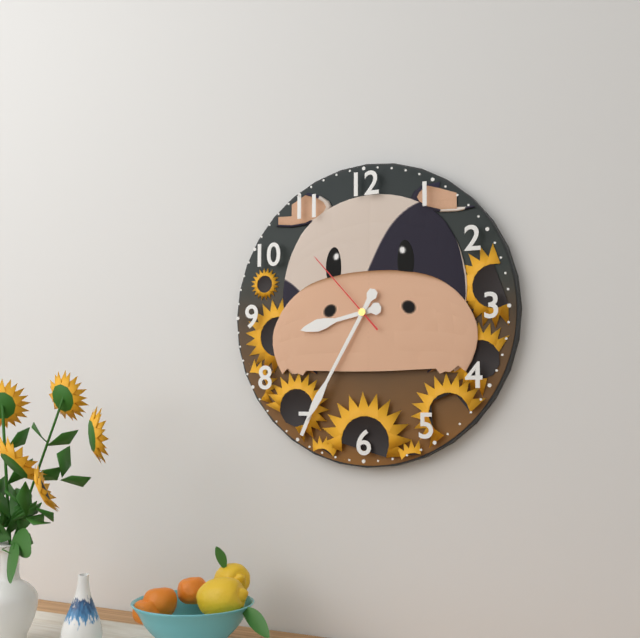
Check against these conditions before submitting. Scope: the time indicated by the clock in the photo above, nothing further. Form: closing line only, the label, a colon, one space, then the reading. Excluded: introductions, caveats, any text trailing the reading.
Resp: 8:35:53
